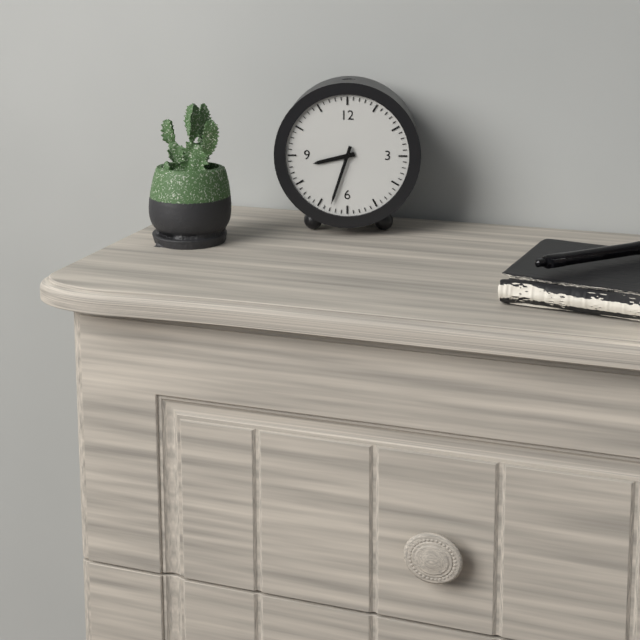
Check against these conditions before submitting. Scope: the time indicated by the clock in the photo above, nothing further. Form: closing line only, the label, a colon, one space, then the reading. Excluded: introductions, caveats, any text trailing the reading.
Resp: 8:33
